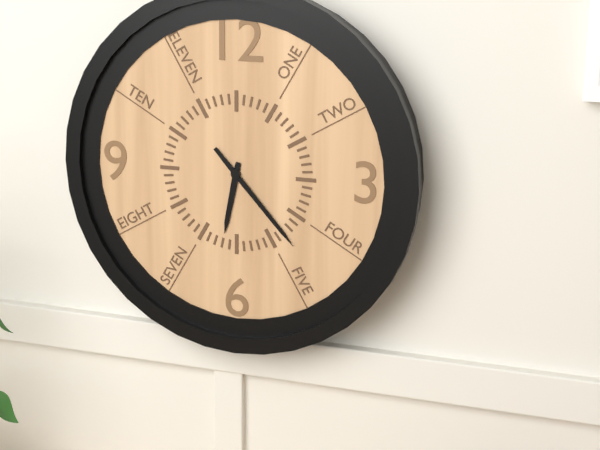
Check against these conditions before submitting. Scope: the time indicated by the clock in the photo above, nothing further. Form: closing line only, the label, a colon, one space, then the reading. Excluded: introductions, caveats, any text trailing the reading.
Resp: 6:23
